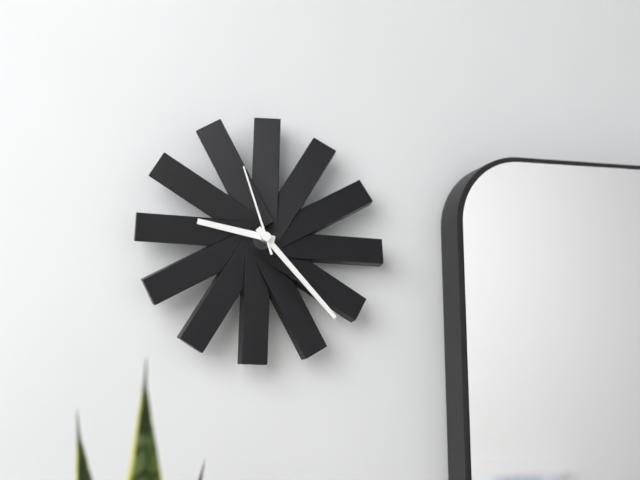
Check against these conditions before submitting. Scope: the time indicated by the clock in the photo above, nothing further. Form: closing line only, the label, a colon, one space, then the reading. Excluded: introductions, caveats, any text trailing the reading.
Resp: 9:23:57
